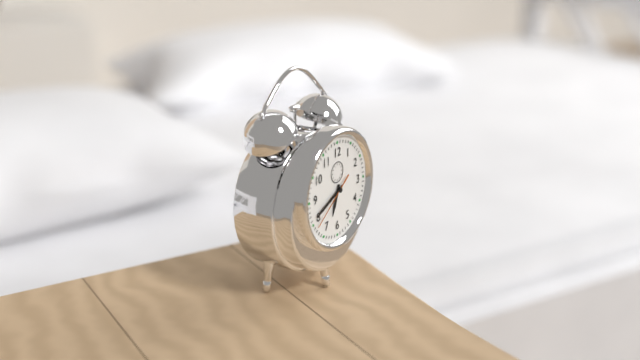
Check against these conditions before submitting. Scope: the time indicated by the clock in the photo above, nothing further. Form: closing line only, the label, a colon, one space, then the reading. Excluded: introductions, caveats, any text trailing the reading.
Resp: 6:41:39
